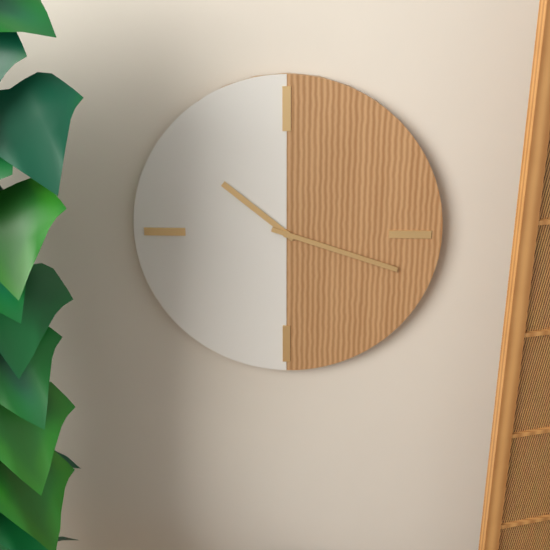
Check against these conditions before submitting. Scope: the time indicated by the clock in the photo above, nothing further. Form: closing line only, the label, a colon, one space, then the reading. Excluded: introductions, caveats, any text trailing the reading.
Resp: 10:18
